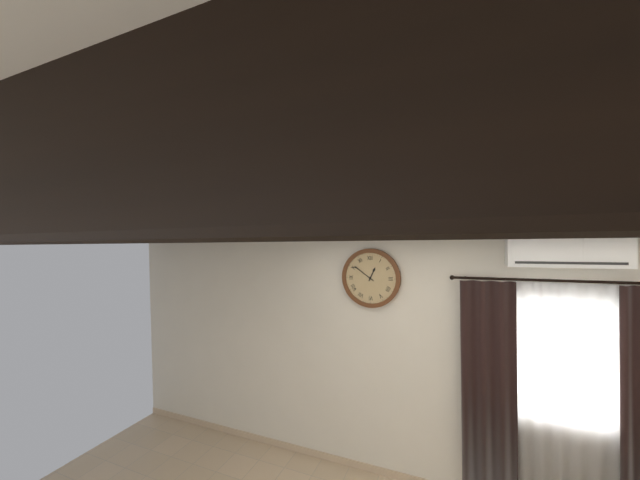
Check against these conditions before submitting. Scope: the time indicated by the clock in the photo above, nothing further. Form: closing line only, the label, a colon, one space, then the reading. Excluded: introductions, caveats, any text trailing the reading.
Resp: 12:51
